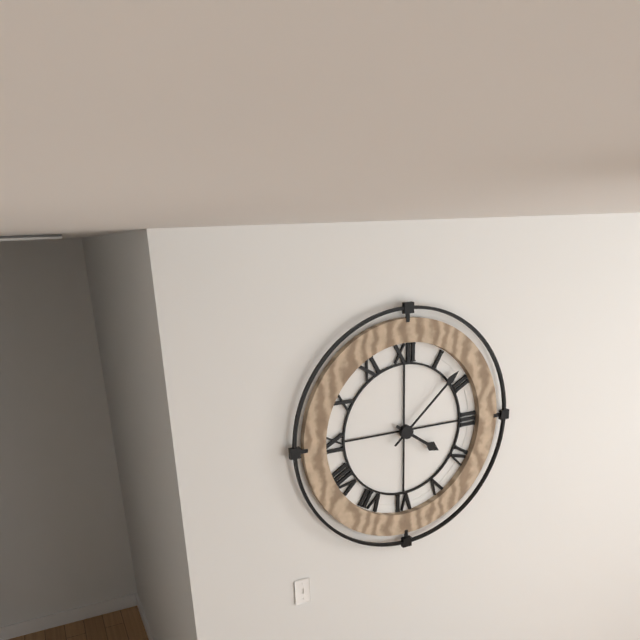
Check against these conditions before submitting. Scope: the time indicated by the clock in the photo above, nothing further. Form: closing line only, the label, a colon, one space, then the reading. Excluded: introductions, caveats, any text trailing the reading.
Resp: 4:08
